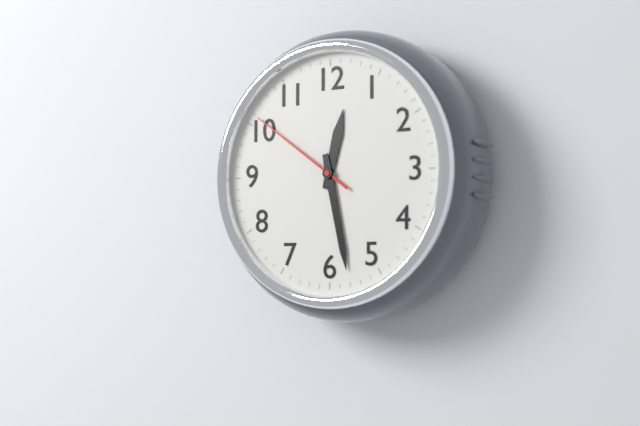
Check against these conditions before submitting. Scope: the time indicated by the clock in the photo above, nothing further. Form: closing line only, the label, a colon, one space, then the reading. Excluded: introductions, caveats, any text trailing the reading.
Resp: 12:28:51
